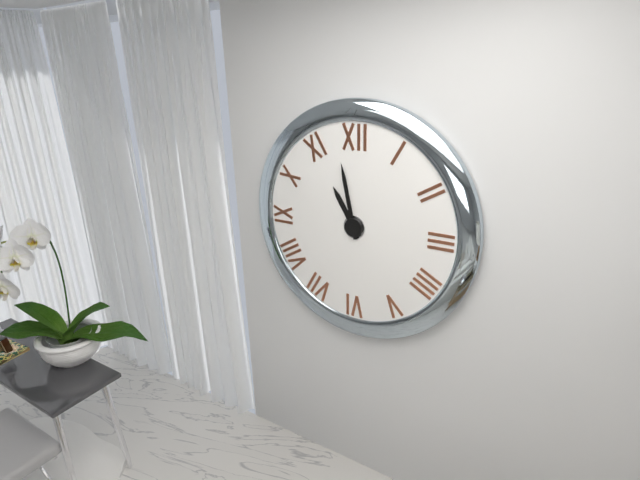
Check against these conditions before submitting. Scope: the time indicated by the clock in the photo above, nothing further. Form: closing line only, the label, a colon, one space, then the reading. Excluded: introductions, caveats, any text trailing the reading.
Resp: 10:58
